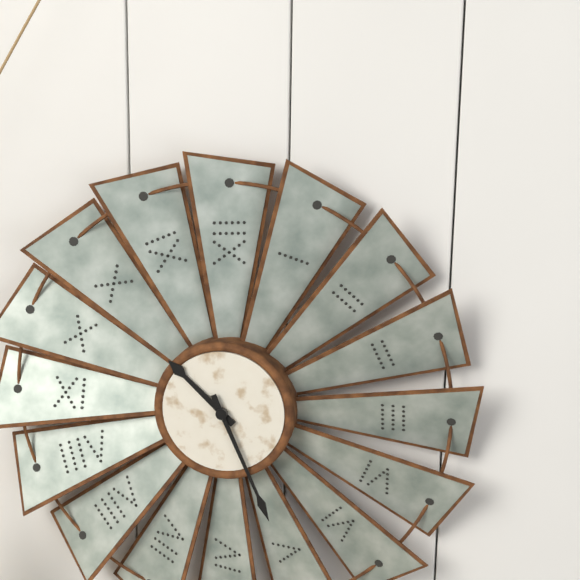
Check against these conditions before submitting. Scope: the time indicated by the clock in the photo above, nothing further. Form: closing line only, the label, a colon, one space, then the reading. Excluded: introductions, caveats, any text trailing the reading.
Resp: 10:26
